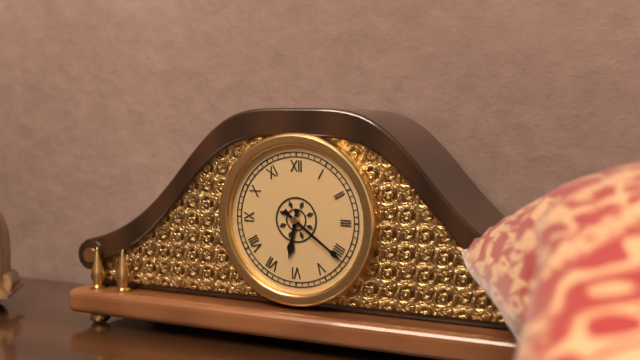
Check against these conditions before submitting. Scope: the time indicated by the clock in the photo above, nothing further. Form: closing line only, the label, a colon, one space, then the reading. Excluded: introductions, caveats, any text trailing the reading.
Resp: 6:21
